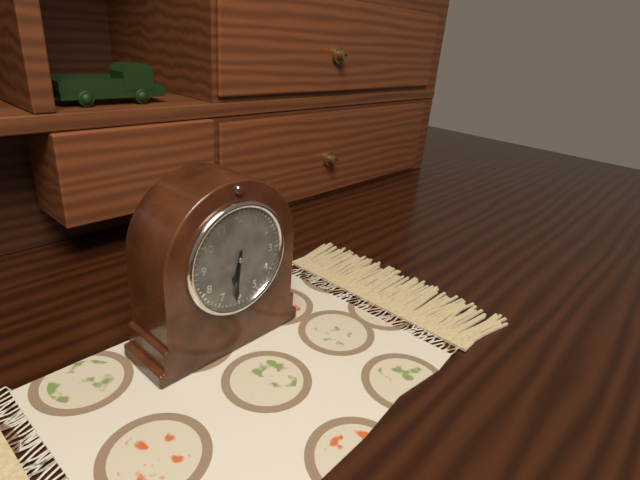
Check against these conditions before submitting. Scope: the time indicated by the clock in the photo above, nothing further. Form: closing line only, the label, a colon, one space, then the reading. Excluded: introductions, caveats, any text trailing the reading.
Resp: 6:31
